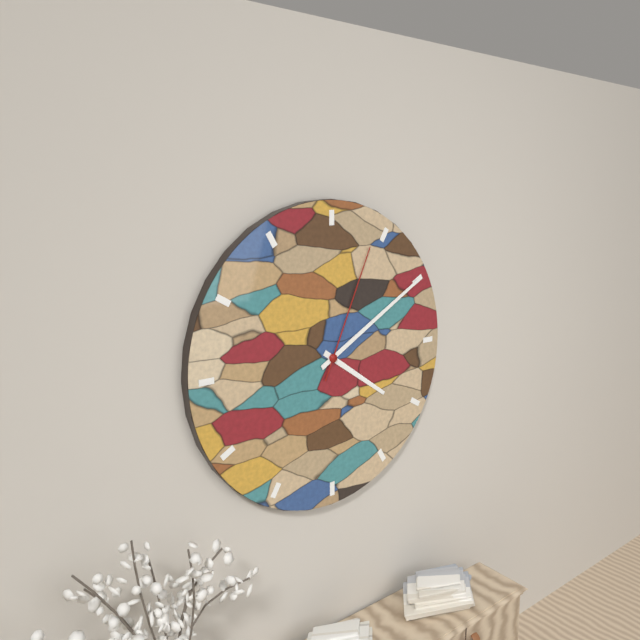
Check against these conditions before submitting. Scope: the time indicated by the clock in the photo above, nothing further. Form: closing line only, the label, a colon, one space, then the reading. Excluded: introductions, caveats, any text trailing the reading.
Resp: 4:10:04
